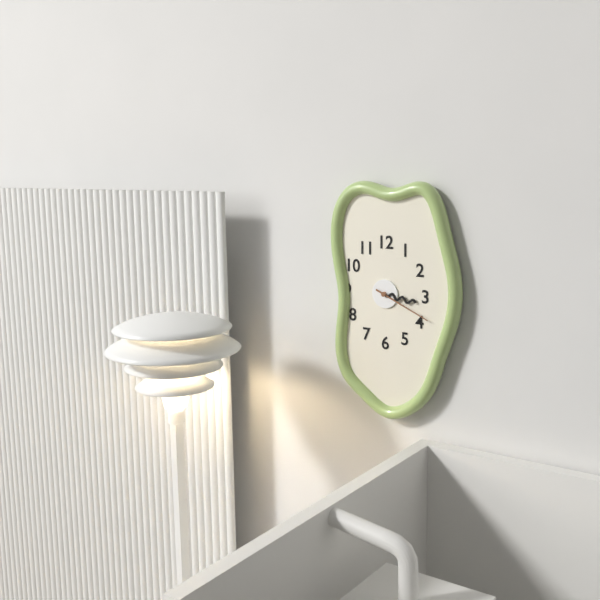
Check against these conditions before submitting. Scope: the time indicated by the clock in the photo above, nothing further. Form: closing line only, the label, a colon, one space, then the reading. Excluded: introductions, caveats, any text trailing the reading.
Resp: 3:19
